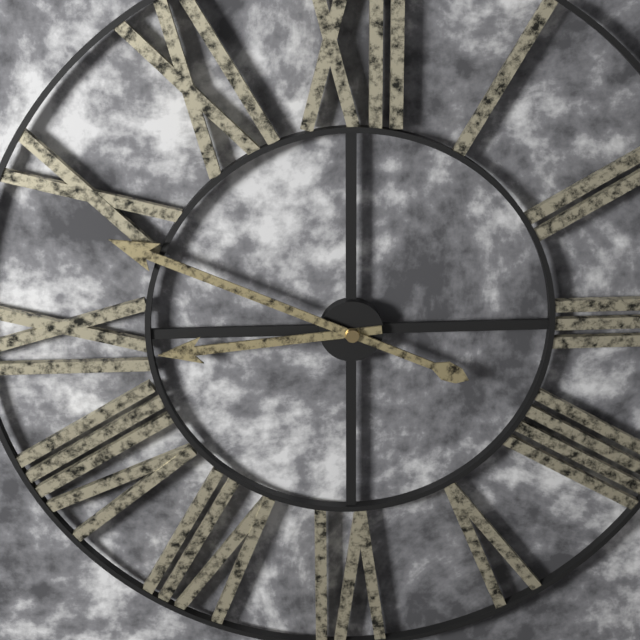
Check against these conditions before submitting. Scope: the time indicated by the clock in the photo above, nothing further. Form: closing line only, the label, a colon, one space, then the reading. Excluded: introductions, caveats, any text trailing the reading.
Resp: 8:49
